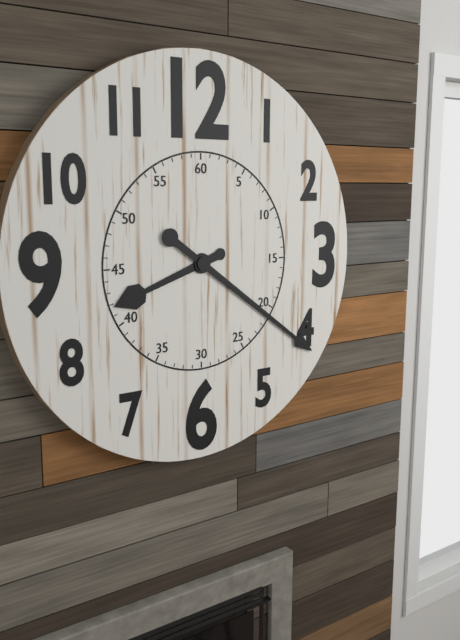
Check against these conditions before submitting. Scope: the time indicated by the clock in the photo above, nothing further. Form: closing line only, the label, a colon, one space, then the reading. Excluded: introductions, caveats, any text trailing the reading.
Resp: 8:21
